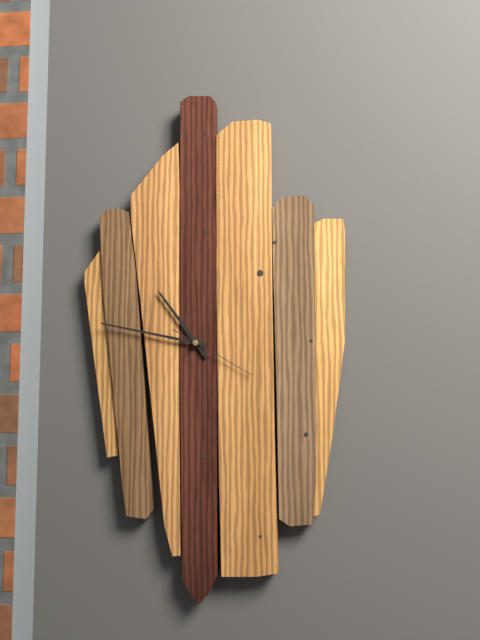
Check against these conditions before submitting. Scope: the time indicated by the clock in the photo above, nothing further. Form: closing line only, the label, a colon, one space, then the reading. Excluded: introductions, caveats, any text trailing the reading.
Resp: 10:47:20
